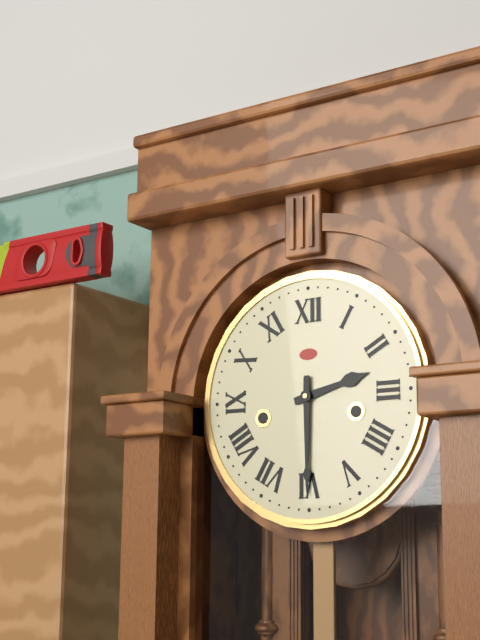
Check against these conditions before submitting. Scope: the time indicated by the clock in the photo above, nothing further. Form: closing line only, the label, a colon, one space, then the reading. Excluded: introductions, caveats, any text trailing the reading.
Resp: 2:30
